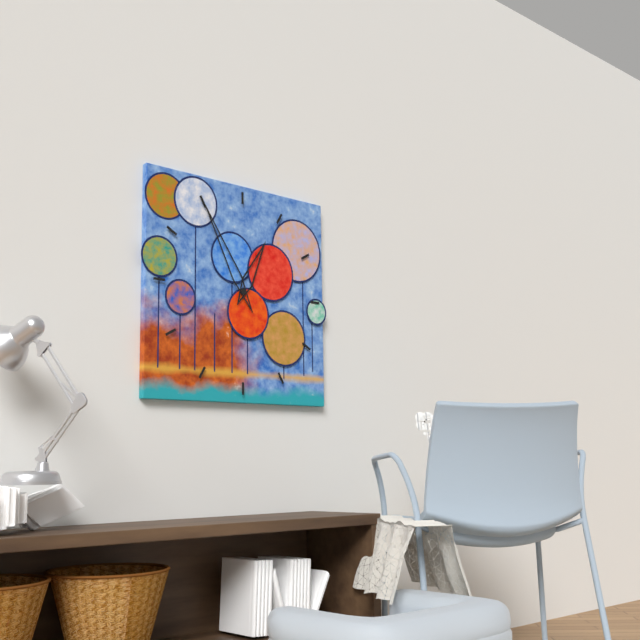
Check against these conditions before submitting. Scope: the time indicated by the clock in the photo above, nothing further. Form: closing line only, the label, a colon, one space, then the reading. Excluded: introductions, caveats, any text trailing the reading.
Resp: 12:55
